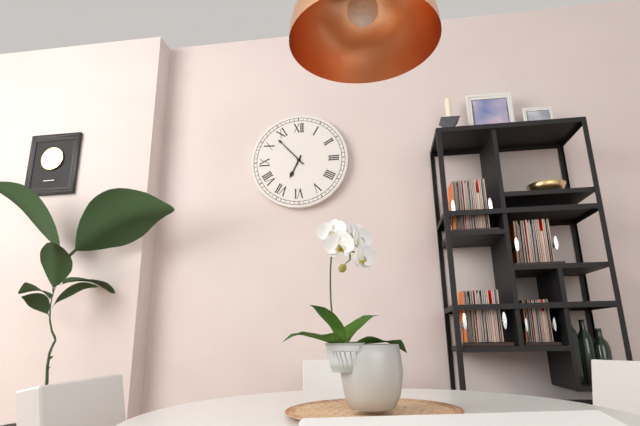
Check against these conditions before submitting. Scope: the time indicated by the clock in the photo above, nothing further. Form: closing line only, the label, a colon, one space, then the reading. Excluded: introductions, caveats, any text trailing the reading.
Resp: 6:53
